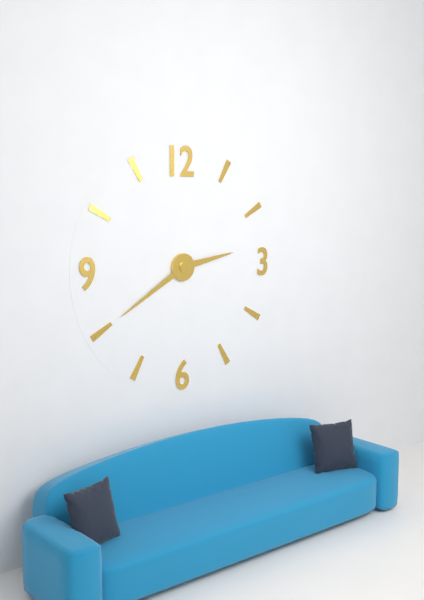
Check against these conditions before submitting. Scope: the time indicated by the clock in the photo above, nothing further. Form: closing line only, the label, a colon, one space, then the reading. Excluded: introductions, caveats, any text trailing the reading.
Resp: 2:40
